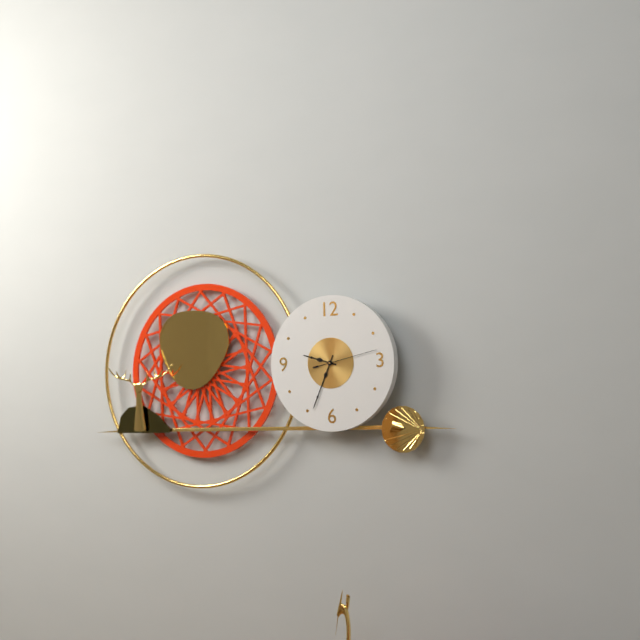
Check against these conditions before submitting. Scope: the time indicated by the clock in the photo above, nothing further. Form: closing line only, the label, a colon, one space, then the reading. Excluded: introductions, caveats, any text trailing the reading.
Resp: 9:34:13
